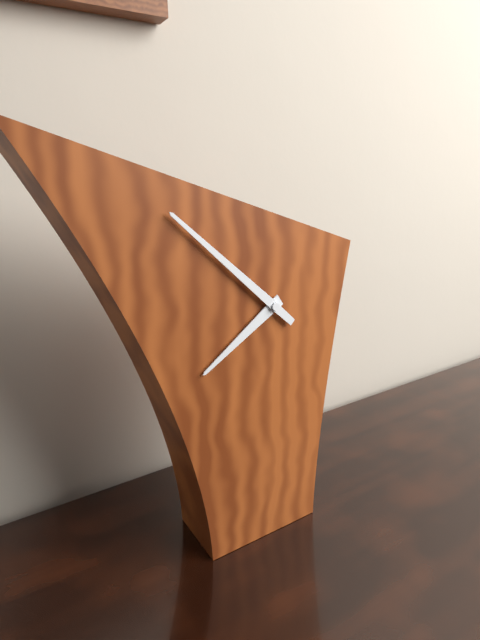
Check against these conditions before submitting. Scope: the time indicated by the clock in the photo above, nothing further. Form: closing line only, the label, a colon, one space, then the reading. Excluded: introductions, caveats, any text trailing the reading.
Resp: 7:52
